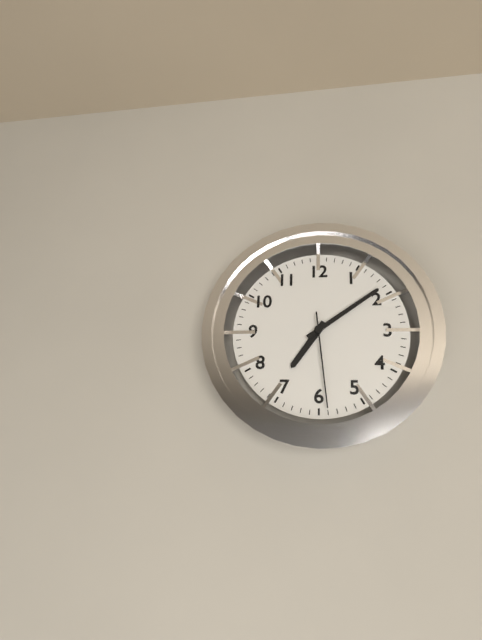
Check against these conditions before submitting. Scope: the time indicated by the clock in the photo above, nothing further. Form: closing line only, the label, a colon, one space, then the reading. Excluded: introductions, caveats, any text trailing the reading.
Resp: 7:09:29
